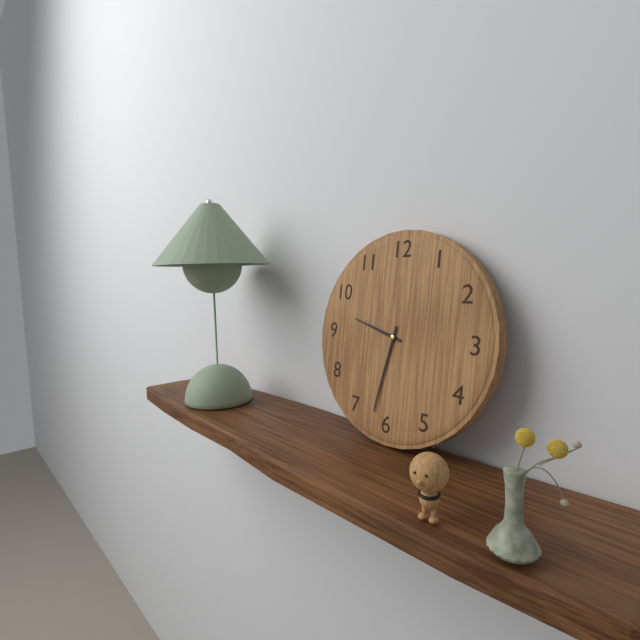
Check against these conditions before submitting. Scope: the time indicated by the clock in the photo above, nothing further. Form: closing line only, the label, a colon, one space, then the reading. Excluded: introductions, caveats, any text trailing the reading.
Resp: 9:32
